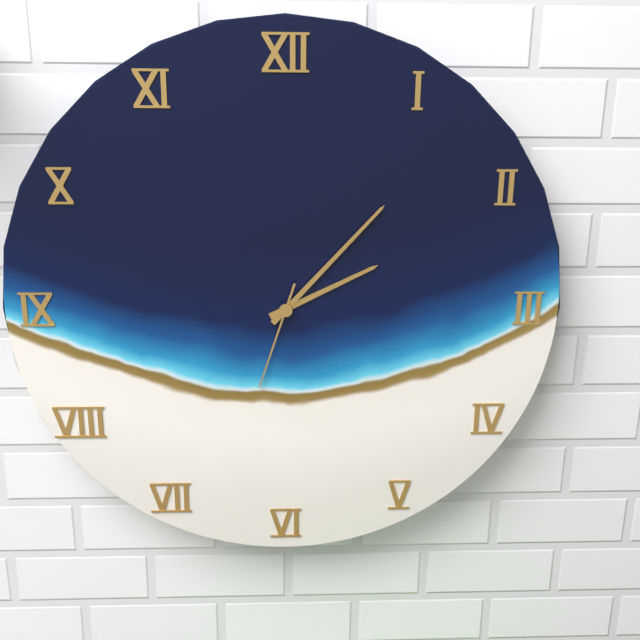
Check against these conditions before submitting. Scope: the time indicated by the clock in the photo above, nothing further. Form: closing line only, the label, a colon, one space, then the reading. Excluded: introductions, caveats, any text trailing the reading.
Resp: 2:07:33
